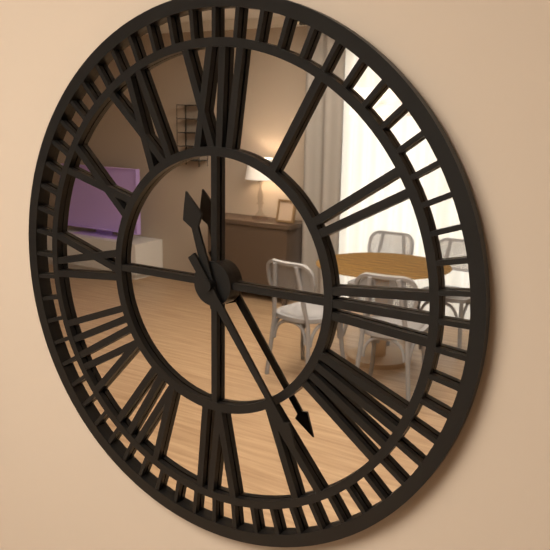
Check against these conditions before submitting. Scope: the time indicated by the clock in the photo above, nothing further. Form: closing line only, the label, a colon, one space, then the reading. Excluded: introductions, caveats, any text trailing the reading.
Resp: 11:24
